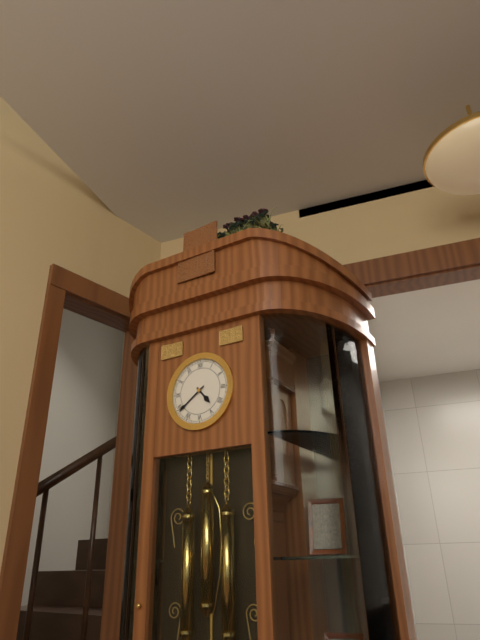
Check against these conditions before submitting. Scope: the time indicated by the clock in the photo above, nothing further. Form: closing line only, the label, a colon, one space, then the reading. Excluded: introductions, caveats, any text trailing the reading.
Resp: 4:39
